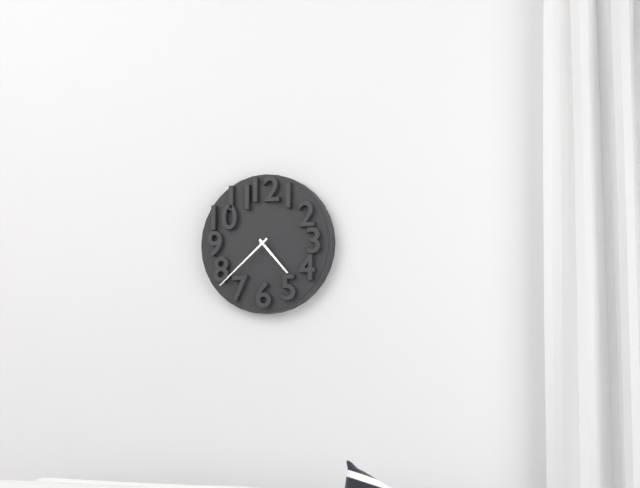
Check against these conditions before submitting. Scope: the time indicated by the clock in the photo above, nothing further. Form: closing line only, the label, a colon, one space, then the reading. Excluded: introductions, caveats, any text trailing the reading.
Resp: 4:38
